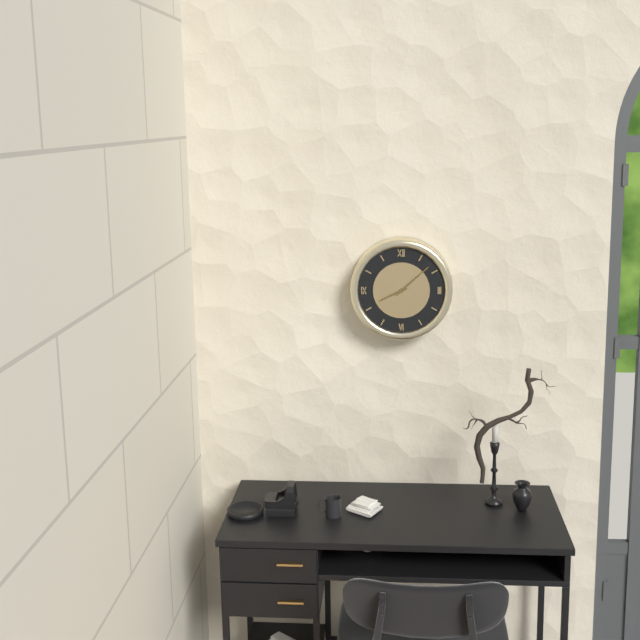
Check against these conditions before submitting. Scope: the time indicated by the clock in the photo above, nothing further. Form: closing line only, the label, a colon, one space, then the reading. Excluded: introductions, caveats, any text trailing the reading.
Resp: 8:08
